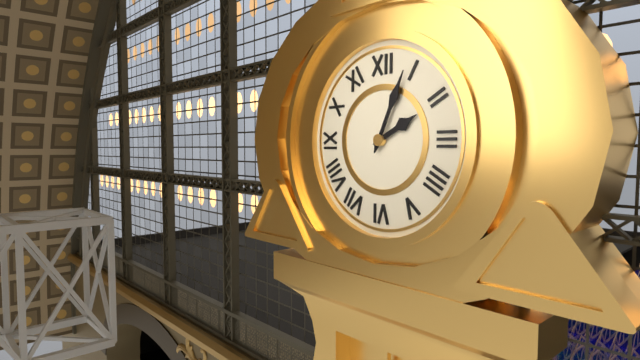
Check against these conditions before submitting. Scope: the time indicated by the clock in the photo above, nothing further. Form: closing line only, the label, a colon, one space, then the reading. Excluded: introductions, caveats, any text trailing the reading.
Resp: 2:04
